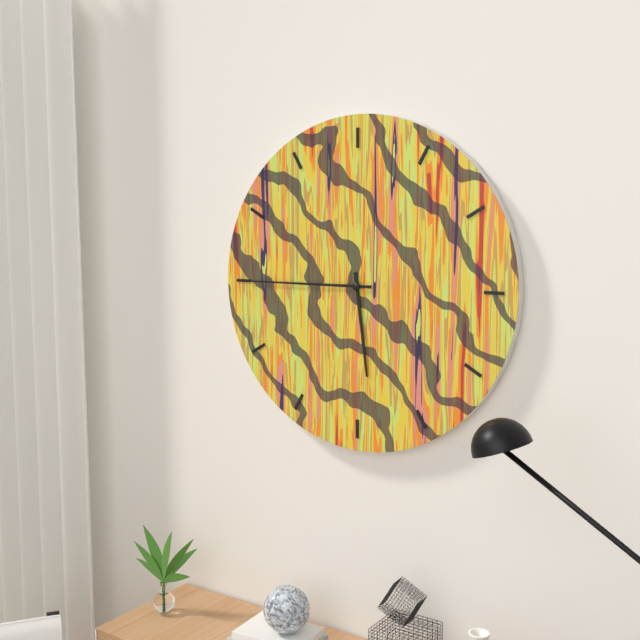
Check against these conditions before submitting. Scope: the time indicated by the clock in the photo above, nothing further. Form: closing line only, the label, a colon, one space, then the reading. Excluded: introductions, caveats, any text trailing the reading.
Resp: 5:45
